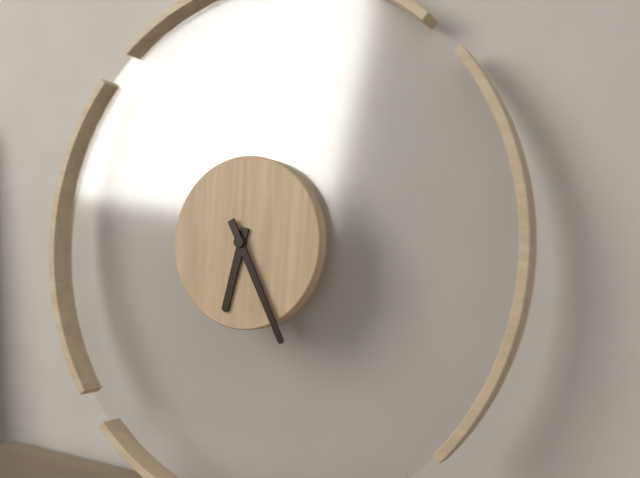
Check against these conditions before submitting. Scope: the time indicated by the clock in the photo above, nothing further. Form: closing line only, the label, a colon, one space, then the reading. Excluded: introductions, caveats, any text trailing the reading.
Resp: 6:25
